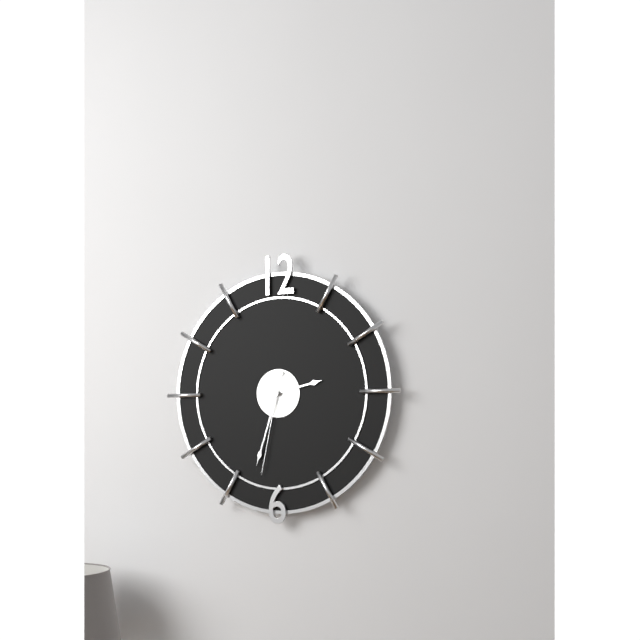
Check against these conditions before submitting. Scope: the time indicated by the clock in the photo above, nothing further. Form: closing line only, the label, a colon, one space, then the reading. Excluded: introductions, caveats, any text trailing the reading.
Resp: 2:33:32
